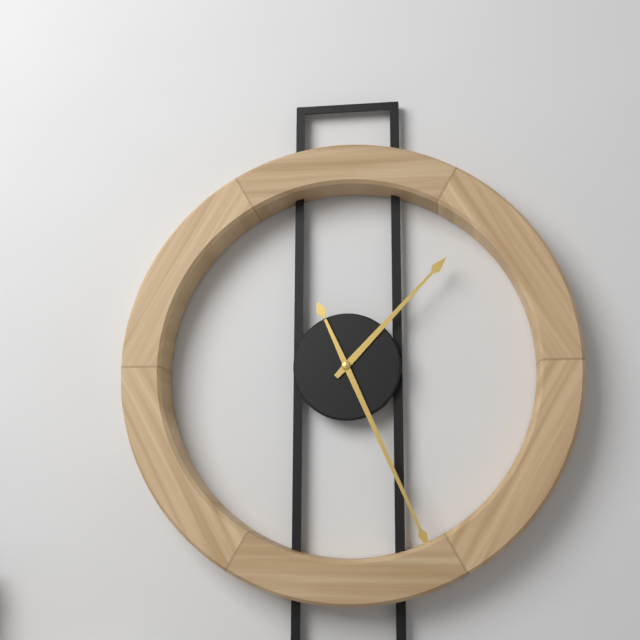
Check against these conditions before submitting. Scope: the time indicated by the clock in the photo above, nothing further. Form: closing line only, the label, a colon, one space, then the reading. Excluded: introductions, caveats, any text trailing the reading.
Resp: 1:26
